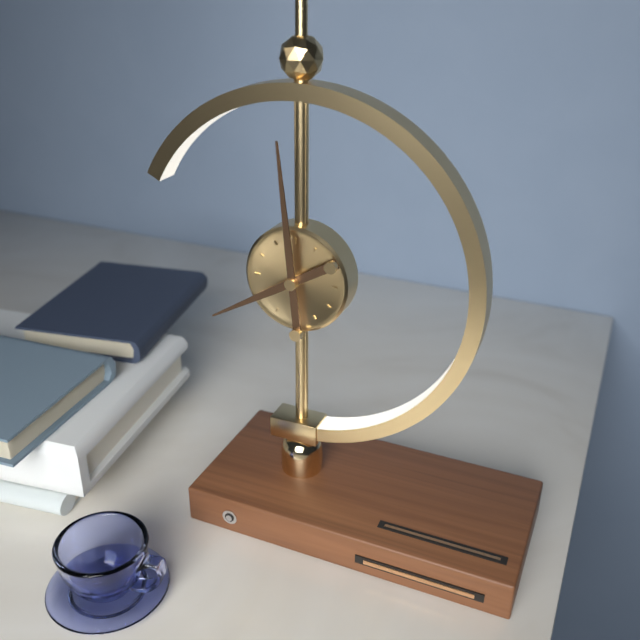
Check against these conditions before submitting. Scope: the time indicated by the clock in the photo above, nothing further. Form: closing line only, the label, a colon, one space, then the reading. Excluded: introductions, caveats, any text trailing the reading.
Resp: 7:59
